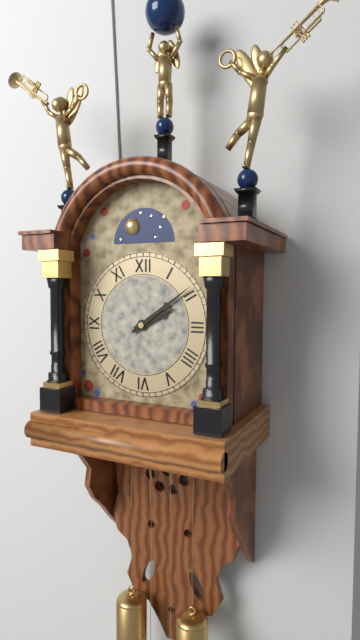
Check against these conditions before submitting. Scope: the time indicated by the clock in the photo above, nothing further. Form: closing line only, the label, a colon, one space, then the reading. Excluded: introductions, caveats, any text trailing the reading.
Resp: 2:09
